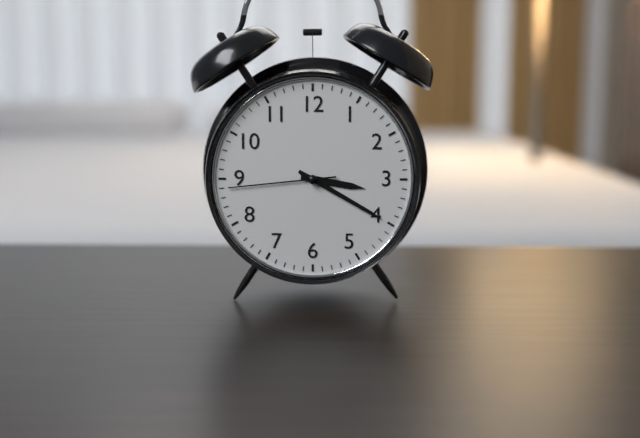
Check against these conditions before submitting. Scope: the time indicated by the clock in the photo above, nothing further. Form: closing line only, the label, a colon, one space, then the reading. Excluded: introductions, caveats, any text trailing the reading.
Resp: 3:20:44
